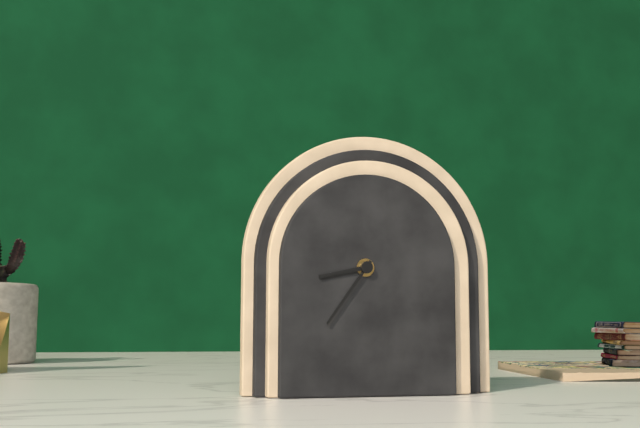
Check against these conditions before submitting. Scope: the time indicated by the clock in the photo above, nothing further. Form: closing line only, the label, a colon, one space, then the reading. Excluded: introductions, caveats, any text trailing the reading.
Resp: 8:36
